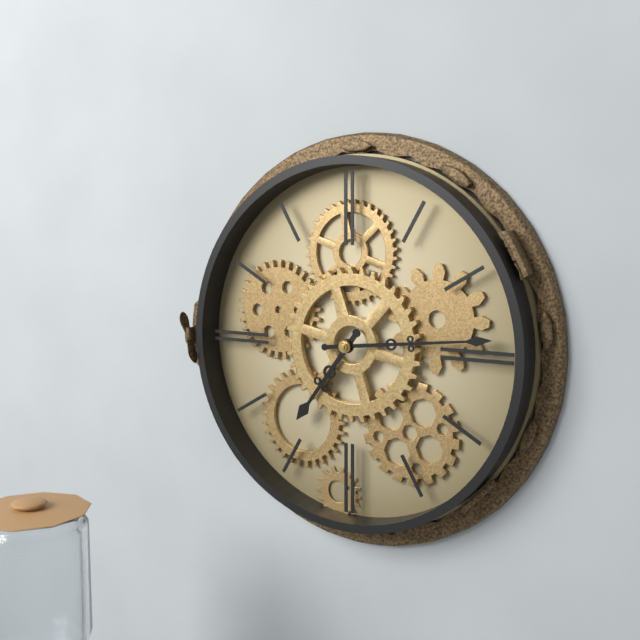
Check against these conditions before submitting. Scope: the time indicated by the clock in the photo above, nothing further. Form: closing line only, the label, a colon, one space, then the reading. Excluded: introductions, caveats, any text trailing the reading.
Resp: 7:14
